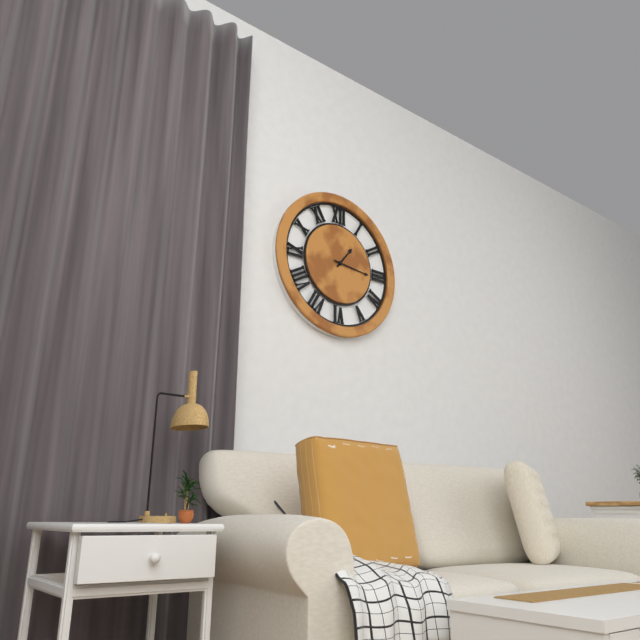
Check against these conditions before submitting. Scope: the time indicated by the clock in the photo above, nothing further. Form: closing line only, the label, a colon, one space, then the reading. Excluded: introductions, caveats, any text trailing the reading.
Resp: 1:16
